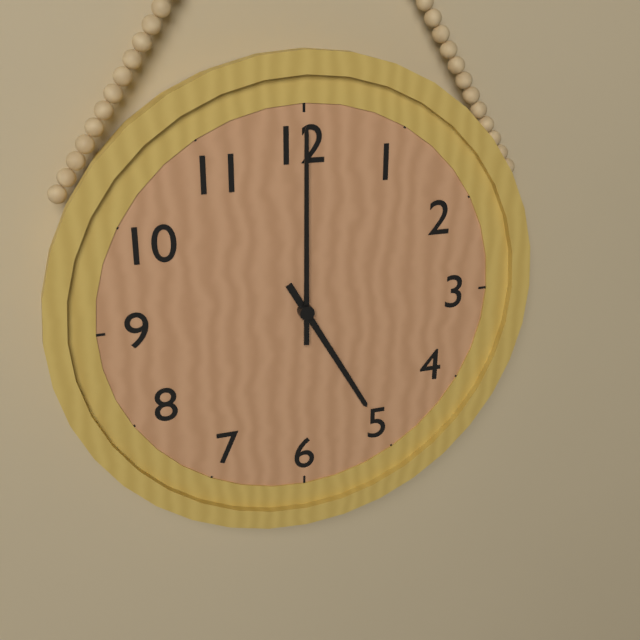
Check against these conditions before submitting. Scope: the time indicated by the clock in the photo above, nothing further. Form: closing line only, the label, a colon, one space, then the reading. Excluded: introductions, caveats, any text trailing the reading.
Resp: 5:00
